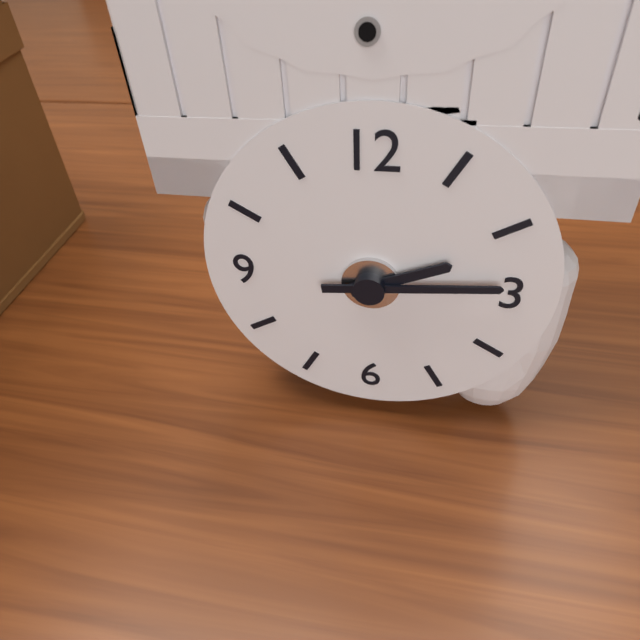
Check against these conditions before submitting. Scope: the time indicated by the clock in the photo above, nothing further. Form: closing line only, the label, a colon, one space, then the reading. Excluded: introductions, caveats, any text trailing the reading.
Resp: 2:14
